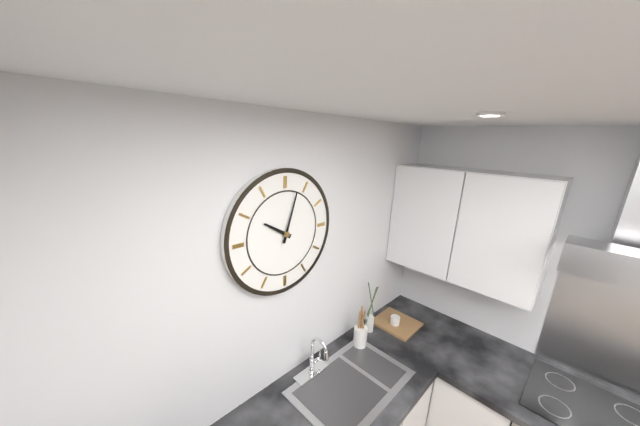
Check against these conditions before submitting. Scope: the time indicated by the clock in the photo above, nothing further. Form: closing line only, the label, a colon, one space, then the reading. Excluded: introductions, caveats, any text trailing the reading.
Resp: 10:03
